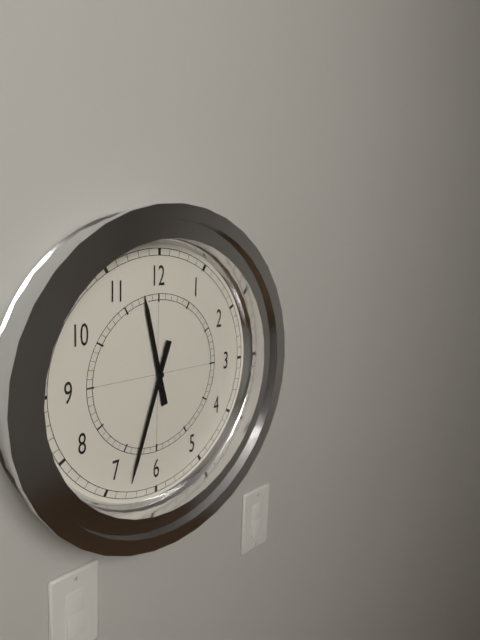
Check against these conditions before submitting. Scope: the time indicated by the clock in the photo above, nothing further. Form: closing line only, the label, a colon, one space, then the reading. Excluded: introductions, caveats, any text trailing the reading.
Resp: 11:33
